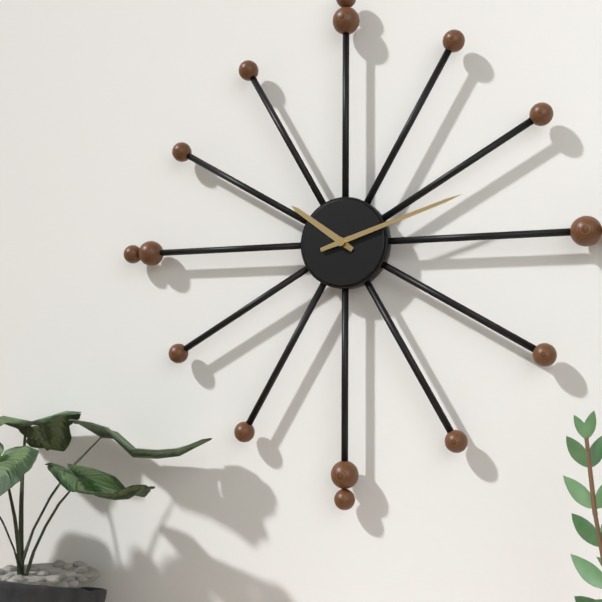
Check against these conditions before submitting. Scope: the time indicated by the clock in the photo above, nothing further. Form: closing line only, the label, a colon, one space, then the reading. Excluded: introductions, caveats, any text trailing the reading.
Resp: 10:12
